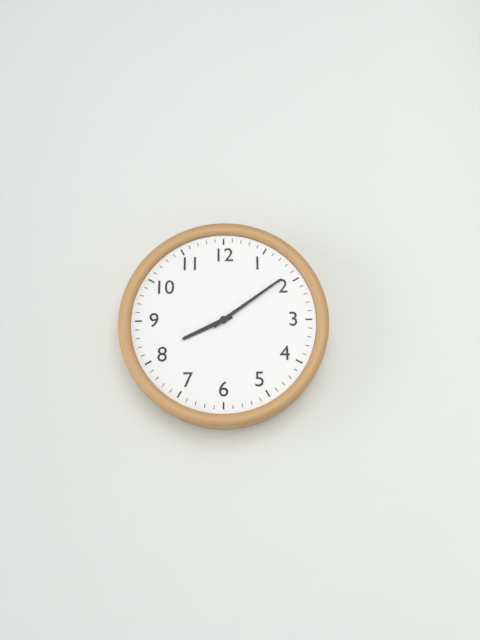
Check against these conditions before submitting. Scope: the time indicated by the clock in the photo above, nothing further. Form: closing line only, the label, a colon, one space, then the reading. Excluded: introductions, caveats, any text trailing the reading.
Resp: 8:09
